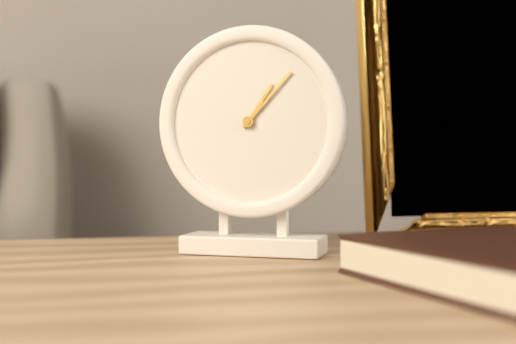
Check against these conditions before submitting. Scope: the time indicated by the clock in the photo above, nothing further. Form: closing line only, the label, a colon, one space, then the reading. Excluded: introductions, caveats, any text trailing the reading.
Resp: 1:07
